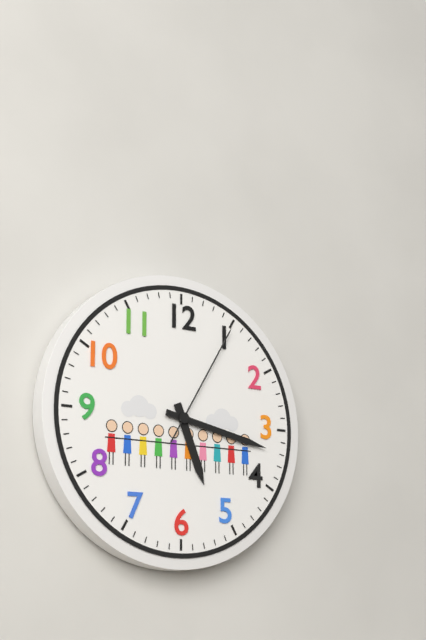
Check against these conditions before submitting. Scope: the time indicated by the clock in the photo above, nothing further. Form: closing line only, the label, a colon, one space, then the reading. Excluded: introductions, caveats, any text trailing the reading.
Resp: 5:17:05
